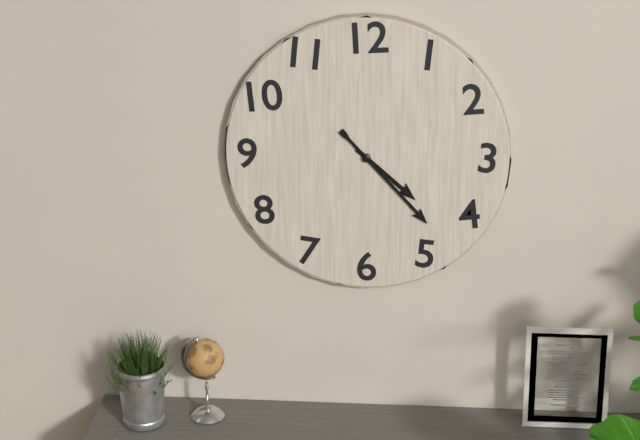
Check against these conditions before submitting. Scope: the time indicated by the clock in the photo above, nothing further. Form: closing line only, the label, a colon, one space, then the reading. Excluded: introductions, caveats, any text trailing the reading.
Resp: 4:23
